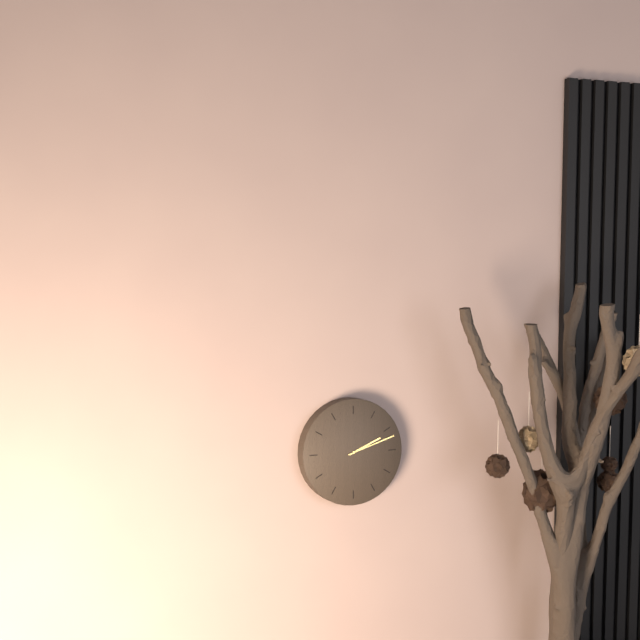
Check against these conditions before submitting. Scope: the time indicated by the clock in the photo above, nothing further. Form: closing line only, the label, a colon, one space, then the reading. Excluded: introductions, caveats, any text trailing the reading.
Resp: 2:12
